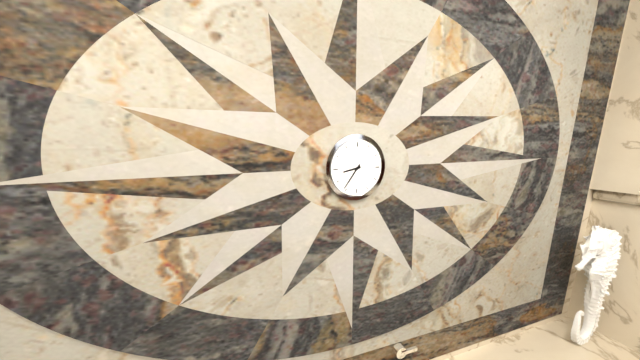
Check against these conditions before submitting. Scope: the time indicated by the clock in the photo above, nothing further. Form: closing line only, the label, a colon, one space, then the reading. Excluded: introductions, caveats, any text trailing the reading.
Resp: 8:36
